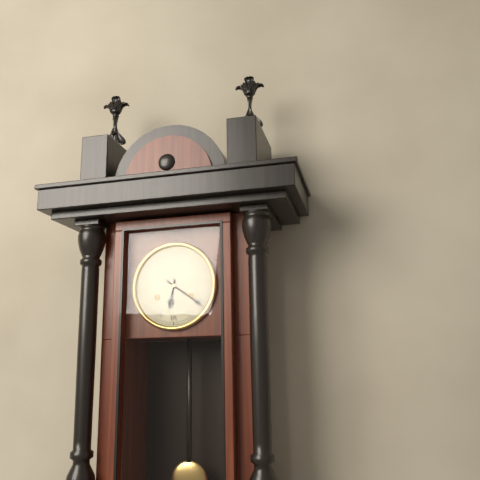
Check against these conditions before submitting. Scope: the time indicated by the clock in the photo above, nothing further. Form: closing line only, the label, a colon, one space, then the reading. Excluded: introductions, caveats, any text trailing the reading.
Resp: 6:21
